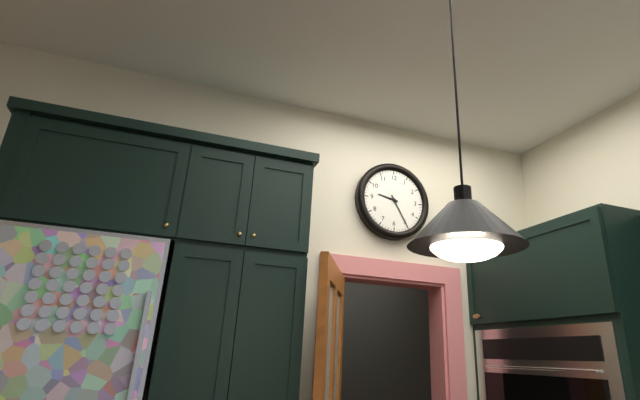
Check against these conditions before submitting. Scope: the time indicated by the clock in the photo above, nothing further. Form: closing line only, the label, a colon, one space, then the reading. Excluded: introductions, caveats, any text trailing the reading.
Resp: 9:25
